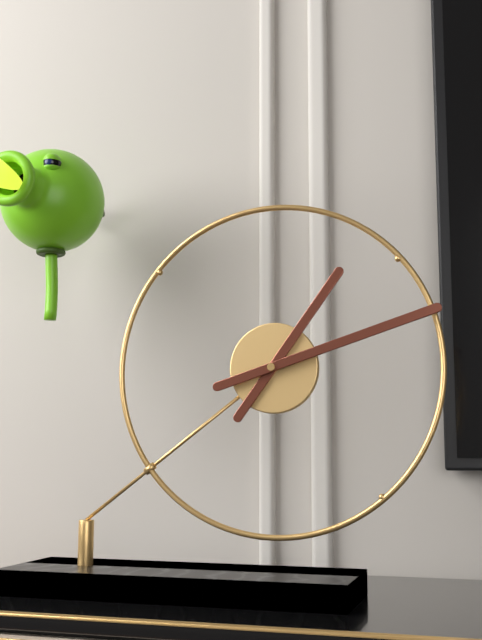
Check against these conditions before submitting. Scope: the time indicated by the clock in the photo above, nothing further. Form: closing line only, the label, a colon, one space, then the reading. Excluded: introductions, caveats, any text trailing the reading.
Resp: 1:12
